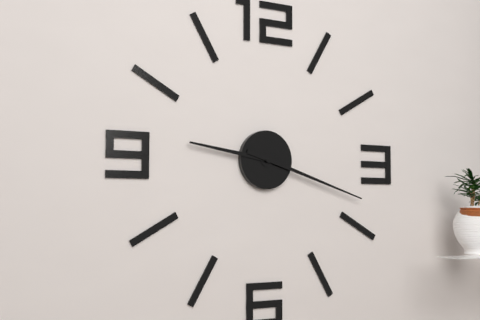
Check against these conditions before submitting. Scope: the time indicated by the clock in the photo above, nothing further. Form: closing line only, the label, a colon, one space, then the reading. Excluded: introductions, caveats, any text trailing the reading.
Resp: 9:18
